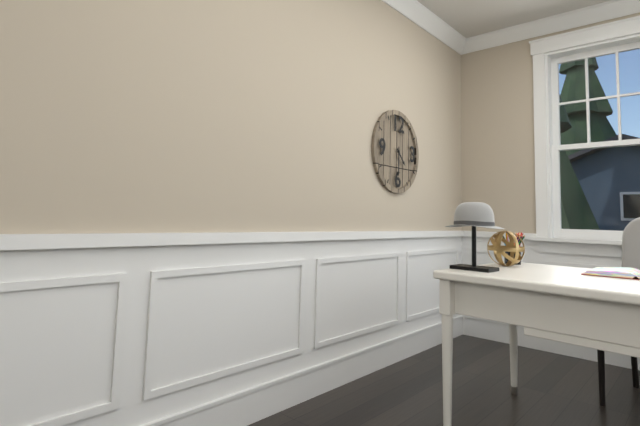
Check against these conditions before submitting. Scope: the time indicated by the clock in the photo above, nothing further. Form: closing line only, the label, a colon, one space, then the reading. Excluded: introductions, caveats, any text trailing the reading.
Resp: 4:30
